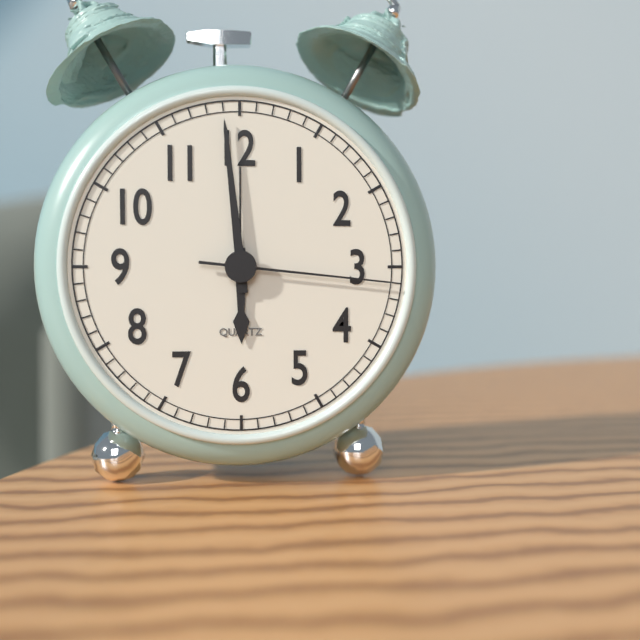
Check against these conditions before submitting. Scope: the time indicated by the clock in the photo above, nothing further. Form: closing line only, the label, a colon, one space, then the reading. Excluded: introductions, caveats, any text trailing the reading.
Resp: 5:59:16
